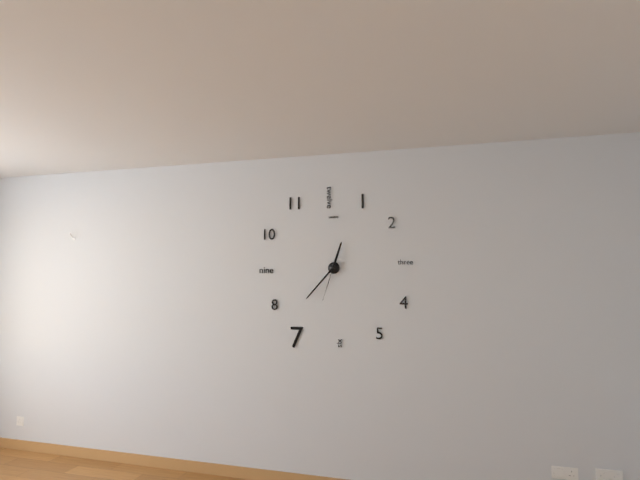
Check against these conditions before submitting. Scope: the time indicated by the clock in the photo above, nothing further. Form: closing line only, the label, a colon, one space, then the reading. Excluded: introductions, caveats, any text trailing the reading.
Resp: 12:37
